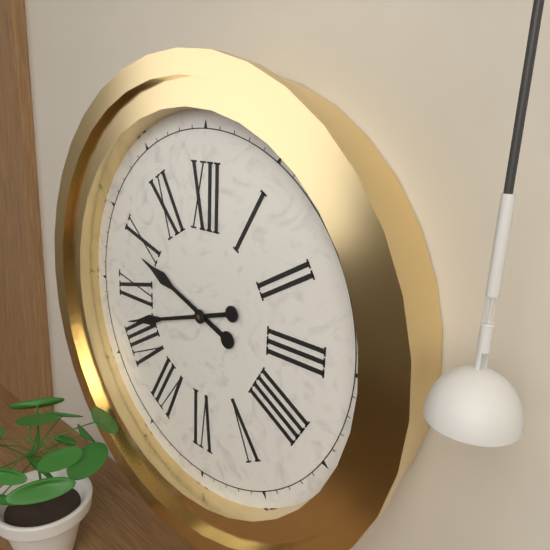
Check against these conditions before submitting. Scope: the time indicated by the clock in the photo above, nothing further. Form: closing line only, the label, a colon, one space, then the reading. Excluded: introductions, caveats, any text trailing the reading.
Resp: 9:42
